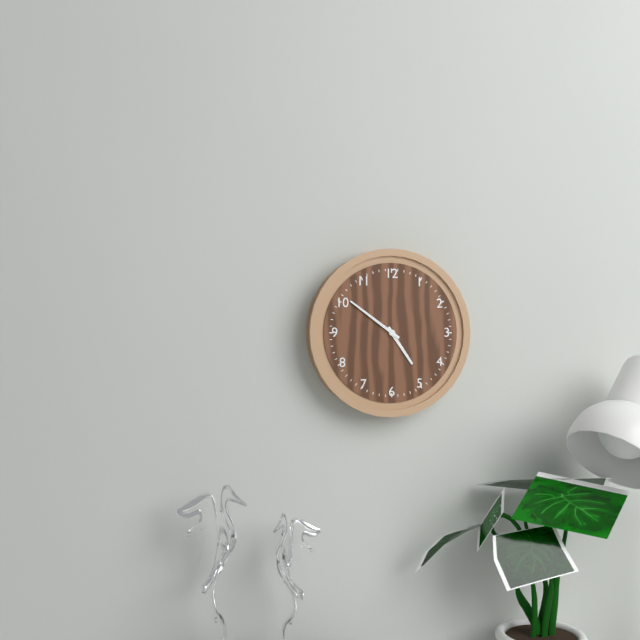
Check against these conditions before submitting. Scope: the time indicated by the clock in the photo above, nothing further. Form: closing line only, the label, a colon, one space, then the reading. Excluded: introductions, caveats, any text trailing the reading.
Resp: 4:51
